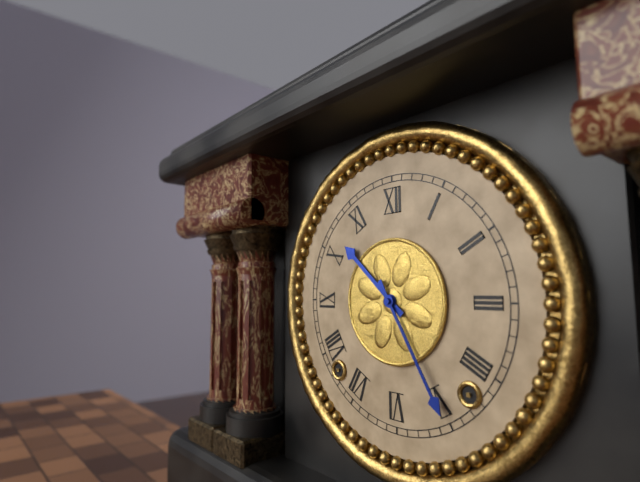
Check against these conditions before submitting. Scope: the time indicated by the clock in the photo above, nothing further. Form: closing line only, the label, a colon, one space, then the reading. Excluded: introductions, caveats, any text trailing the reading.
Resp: 10:25
